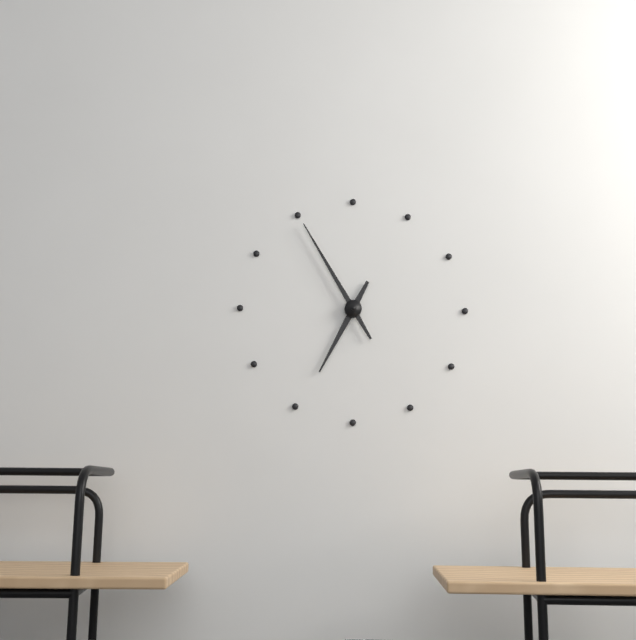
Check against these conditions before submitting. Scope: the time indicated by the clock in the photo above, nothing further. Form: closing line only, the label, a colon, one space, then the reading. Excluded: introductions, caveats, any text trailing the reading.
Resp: 6:55
